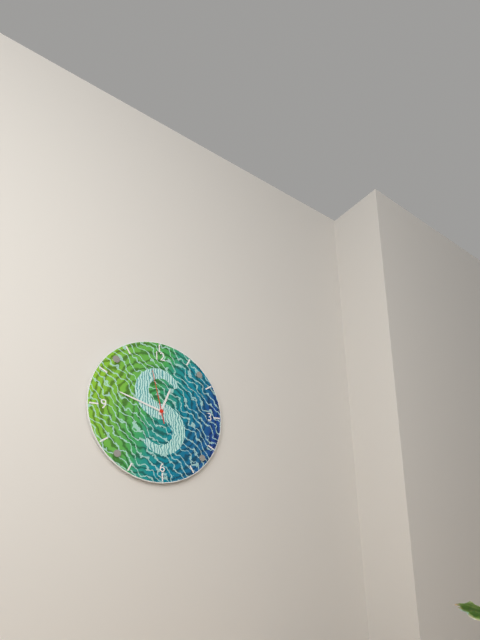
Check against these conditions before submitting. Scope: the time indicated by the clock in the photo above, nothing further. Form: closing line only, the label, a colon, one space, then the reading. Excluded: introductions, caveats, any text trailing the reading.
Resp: 12:48:58
